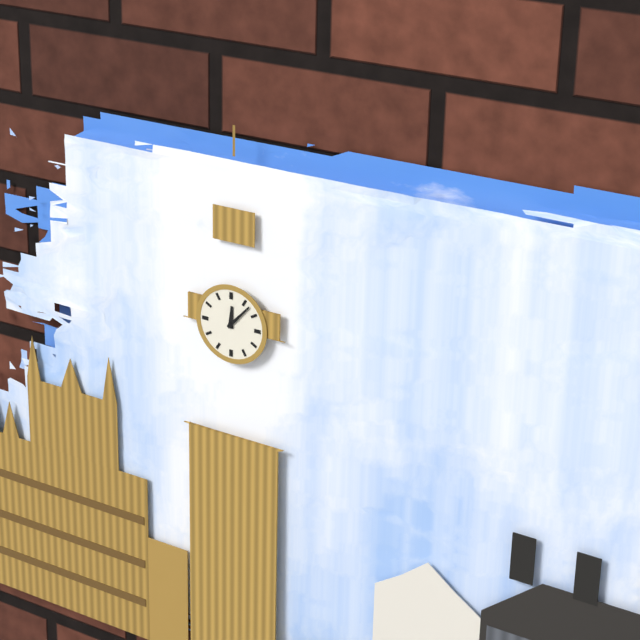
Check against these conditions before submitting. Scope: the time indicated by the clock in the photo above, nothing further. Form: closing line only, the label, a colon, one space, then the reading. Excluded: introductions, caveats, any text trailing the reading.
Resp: 12:07
